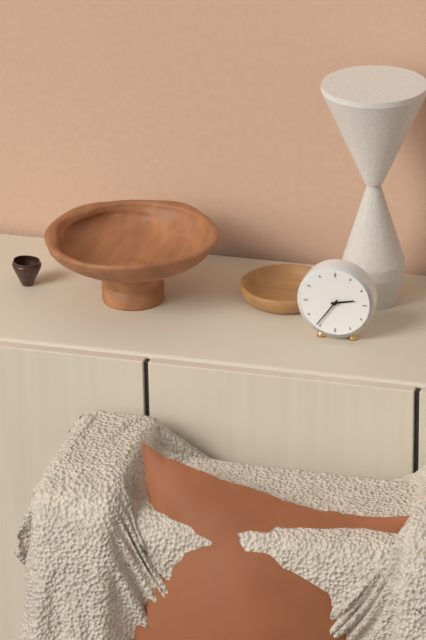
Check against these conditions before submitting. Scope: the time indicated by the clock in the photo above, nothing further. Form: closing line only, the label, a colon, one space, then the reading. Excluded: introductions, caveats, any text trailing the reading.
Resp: 2:36
